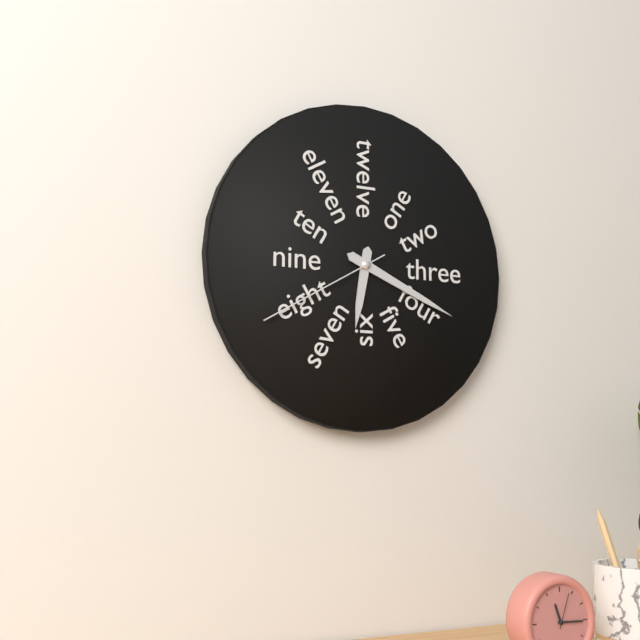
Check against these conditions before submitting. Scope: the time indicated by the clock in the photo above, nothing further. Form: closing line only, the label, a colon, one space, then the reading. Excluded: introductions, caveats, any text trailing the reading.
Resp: 6:19:40
